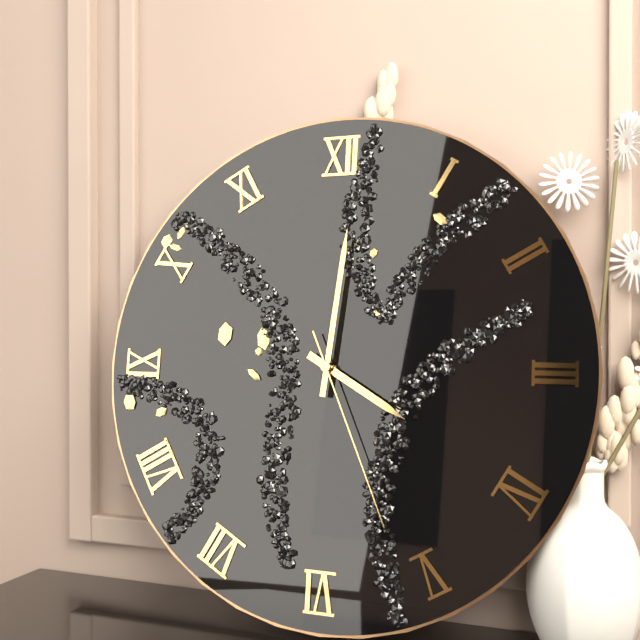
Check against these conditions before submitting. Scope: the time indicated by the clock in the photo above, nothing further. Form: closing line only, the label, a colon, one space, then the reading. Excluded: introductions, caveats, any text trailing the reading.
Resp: 4:01:26
